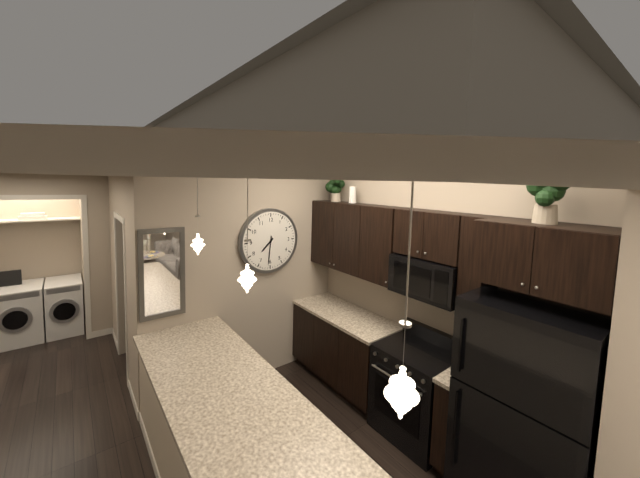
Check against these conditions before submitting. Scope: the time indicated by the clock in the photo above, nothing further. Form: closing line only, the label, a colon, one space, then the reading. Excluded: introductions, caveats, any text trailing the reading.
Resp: 7:31
